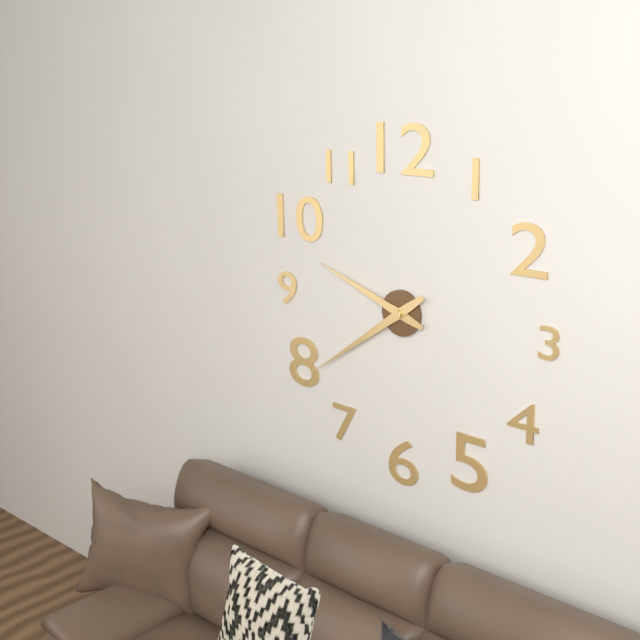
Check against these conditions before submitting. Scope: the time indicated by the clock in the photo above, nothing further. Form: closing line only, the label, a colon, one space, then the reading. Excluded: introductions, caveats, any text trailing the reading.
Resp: 9:39
